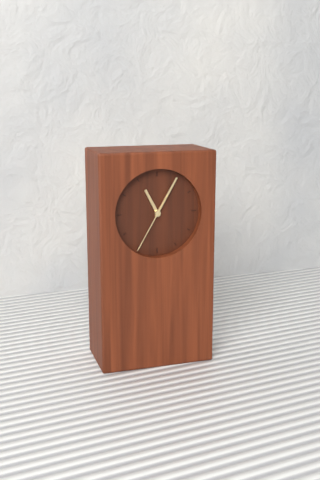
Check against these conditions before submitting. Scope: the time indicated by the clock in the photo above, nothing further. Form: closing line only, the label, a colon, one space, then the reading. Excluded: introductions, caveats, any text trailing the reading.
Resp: 11:05:35
